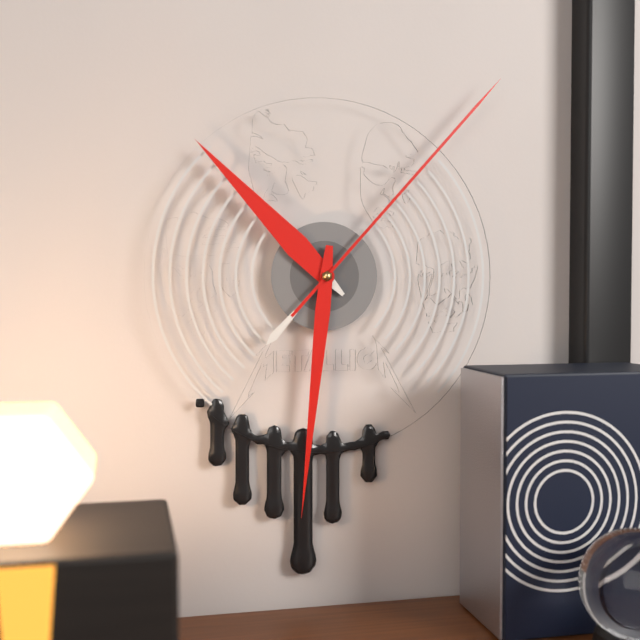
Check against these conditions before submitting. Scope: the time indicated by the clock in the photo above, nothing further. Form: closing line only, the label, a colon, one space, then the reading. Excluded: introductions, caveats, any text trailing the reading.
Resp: 10:31:07
